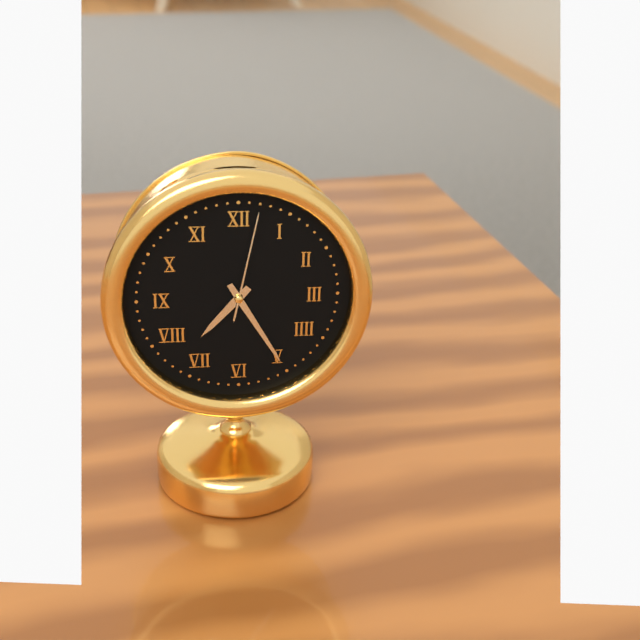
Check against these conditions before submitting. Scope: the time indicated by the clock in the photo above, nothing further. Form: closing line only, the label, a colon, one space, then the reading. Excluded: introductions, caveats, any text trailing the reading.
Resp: 7:25:02
